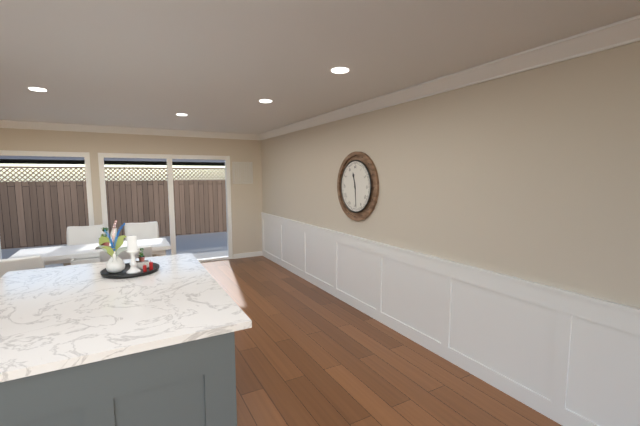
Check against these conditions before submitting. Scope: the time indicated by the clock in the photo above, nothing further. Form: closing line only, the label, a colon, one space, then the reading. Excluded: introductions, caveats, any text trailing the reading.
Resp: 11:29
